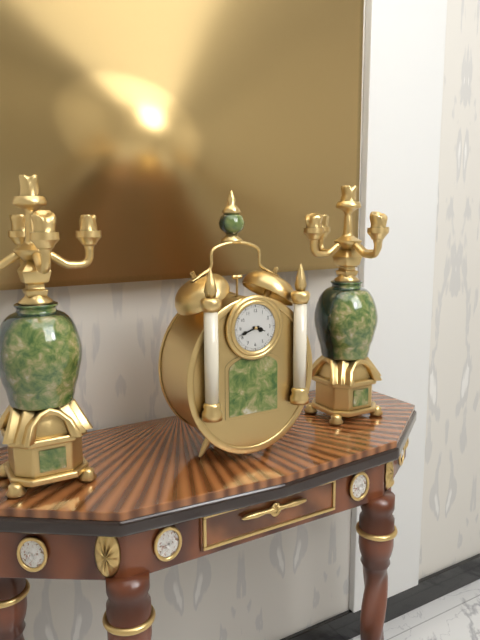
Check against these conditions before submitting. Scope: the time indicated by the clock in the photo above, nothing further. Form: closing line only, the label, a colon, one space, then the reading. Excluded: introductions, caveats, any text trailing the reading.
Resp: 3:42
